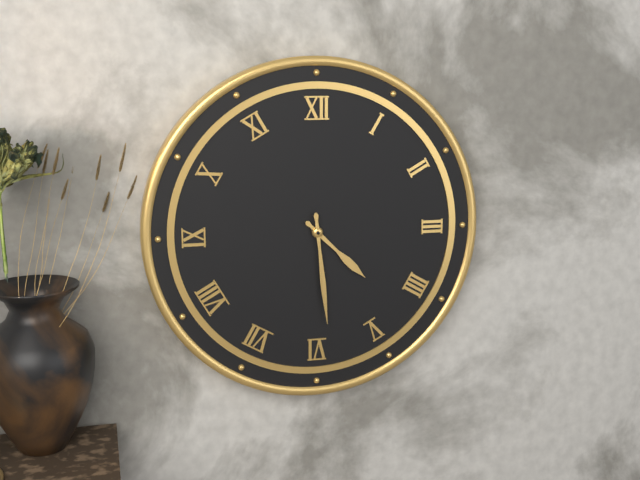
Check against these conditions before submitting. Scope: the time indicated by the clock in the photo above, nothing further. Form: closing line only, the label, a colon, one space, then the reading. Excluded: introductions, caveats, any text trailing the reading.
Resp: 4:29
